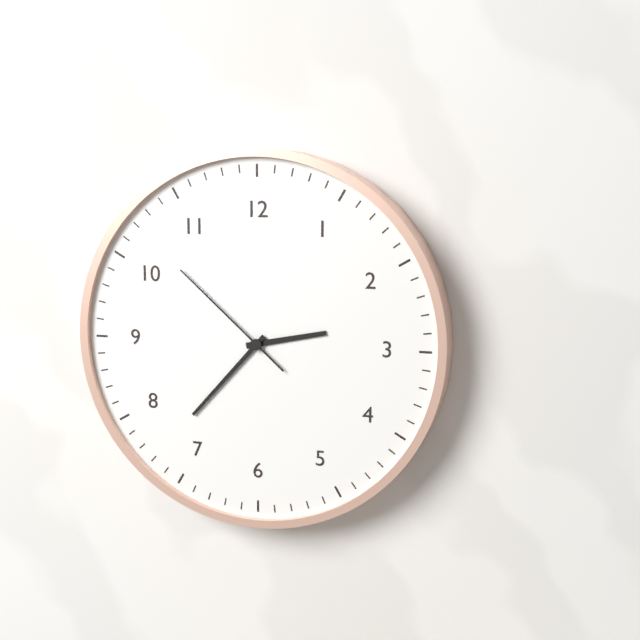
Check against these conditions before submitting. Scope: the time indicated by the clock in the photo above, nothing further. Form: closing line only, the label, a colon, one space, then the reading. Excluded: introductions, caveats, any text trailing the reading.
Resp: 2:37:52
